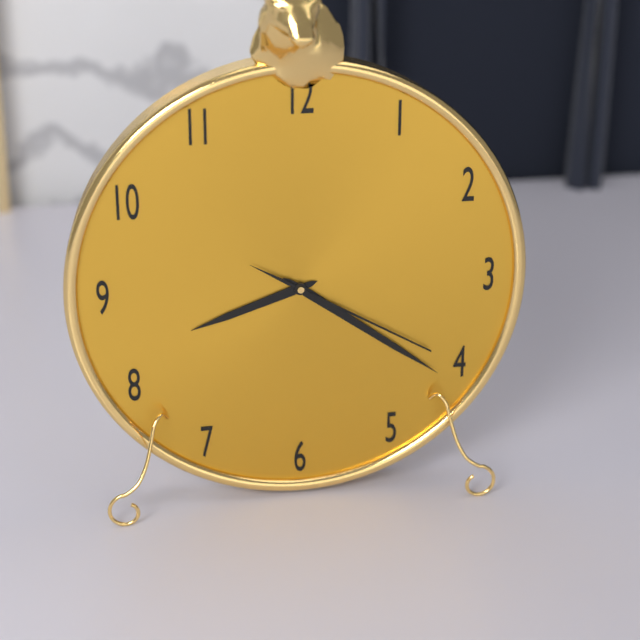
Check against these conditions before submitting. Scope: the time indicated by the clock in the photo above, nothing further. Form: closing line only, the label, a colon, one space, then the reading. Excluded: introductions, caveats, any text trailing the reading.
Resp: 8:21:20
